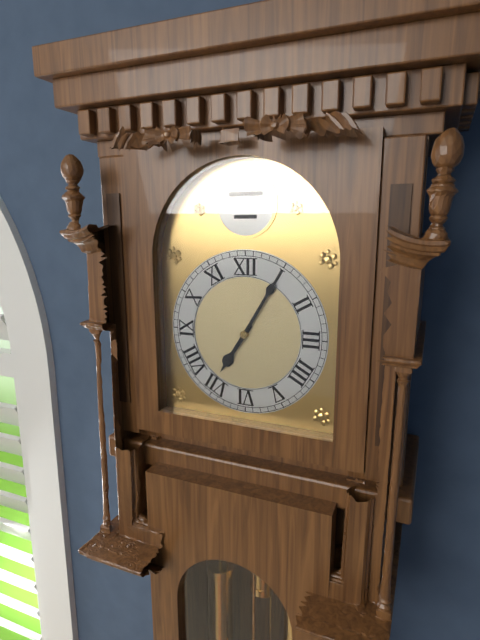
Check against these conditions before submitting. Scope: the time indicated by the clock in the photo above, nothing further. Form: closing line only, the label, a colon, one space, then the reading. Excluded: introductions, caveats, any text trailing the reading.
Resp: 7:05
